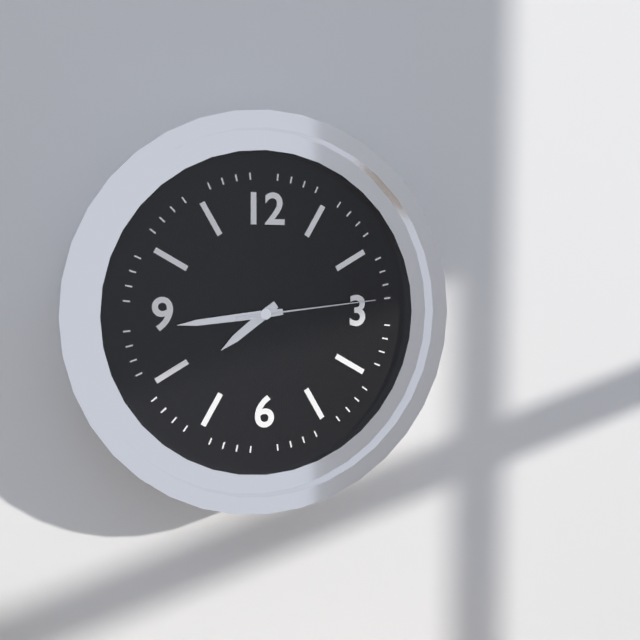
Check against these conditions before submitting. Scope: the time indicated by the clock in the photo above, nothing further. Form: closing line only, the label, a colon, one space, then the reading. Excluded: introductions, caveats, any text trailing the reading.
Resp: 7:44:14
